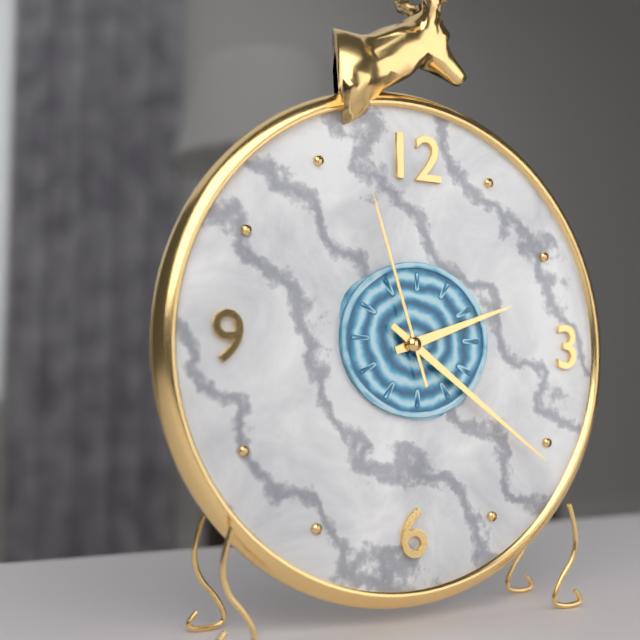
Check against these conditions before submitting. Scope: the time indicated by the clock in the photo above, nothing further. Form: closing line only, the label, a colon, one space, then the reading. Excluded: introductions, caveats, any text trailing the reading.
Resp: 2:21:57
